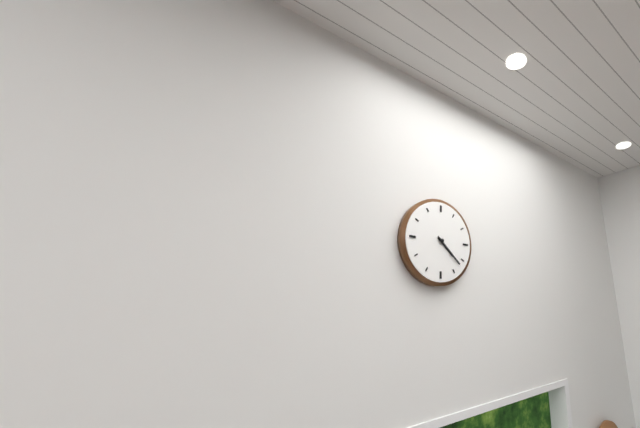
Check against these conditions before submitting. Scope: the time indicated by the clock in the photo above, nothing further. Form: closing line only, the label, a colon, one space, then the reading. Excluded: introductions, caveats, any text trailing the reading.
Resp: 4:22
